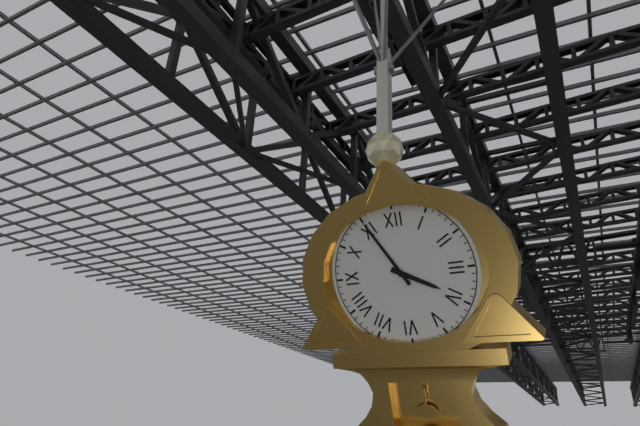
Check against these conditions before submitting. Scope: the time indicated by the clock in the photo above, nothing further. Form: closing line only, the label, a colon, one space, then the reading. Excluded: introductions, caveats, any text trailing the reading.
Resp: 3:55
